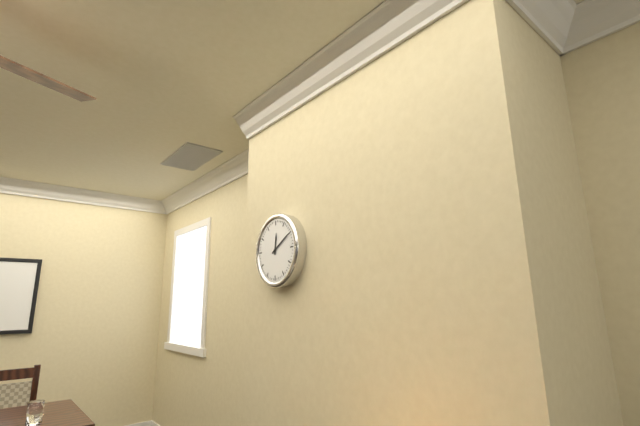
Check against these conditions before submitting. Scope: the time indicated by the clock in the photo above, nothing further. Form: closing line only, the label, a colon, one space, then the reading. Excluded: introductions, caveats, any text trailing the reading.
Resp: 12:10
